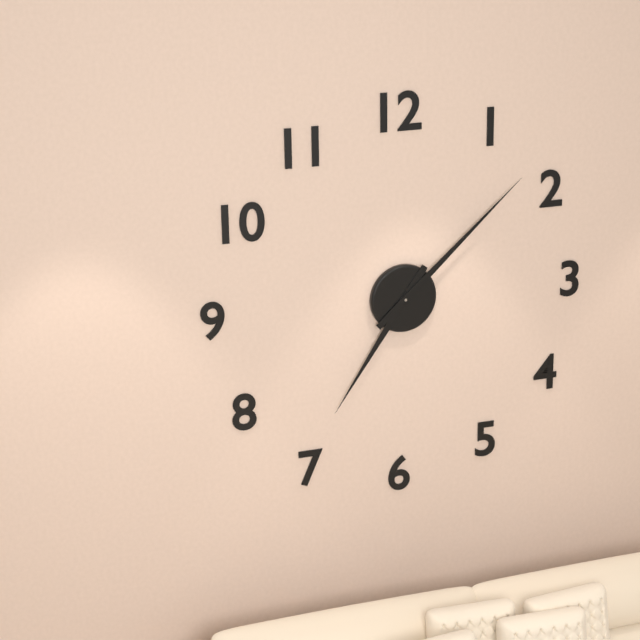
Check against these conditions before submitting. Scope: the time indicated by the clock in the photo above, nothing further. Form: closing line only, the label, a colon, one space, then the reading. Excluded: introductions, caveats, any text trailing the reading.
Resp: 7:08
